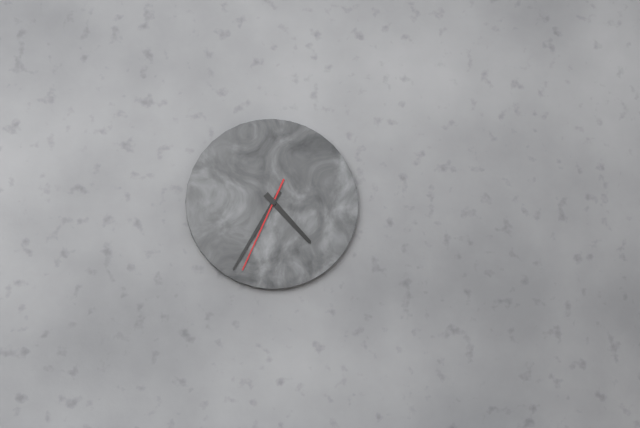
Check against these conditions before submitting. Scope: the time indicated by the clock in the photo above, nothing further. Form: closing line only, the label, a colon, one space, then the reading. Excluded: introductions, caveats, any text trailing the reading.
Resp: 4:35:34
